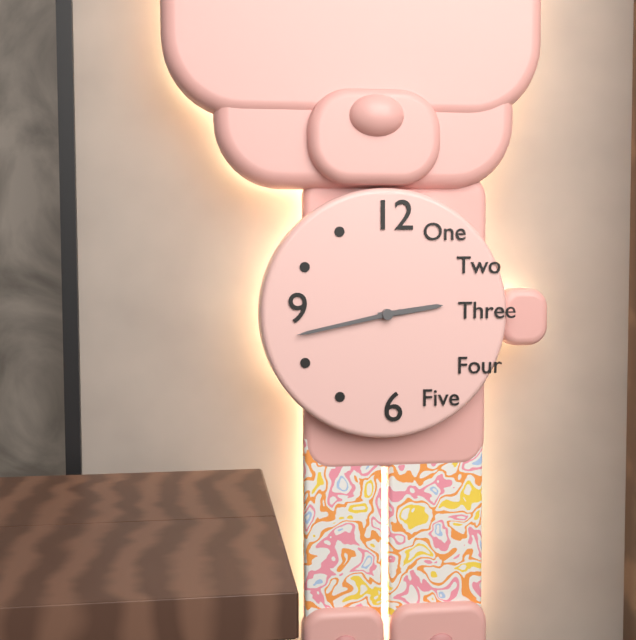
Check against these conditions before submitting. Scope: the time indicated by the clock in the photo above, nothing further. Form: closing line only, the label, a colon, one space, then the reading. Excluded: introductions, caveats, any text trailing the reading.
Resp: 2:43
